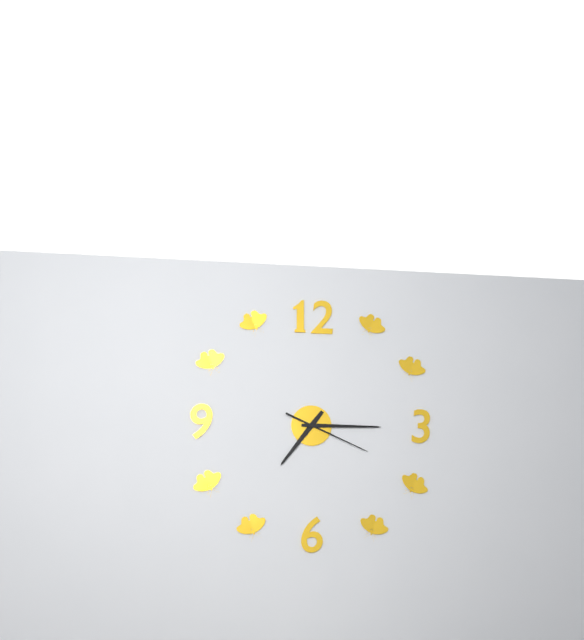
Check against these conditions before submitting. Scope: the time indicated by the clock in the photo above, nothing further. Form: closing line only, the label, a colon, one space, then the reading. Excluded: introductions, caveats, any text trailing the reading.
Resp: 7:15:19
